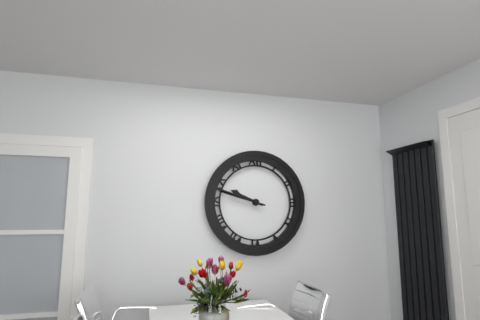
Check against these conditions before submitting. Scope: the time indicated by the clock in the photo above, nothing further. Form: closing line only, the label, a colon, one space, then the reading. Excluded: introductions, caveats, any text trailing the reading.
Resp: 9:48
